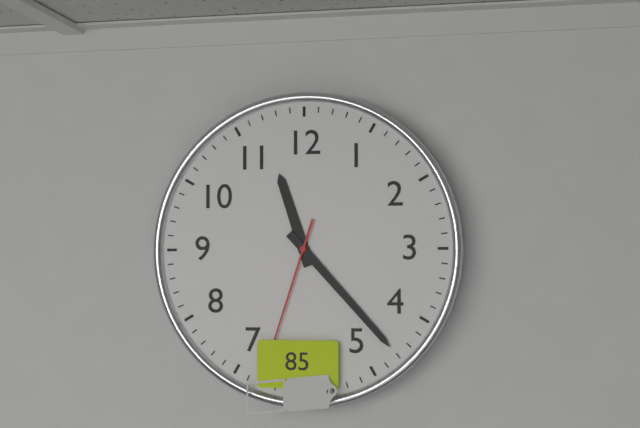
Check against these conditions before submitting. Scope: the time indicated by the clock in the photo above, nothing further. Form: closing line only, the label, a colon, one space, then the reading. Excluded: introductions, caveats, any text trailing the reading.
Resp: 11:23:33
